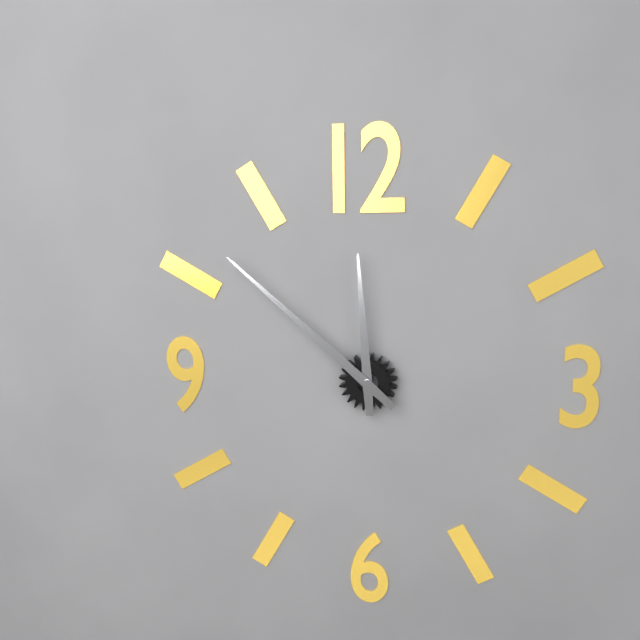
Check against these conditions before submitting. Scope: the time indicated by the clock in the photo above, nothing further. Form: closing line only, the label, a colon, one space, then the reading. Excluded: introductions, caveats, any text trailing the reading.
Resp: 11:52
